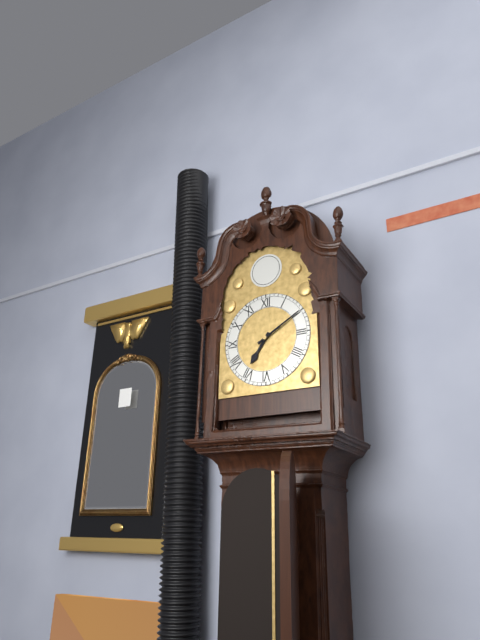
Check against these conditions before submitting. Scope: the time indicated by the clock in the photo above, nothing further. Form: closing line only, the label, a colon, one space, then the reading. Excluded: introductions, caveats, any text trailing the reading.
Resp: 7:10
